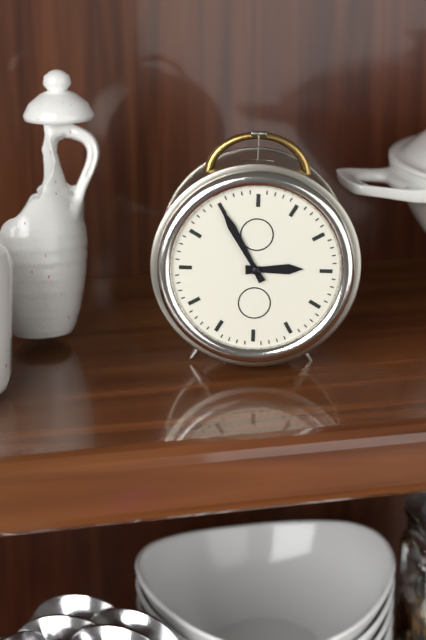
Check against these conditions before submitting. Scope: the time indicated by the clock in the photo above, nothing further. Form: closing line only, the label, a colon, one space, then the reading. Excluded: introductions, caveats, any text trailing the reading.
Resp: 2:55
